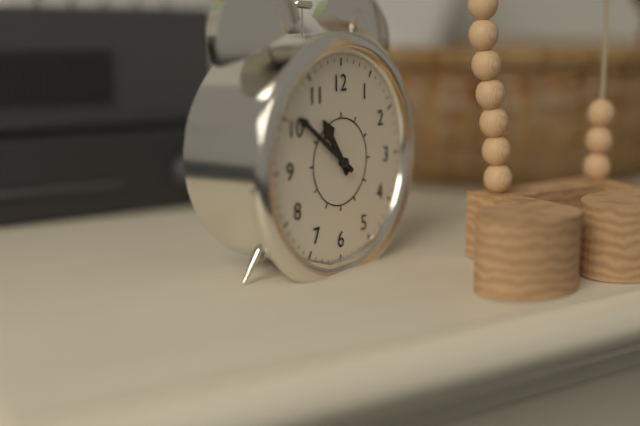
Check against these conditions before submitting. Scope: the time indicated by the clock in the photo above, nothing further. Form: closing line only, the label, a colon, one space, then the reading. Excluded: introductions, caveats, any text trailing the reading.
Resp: 10:51
